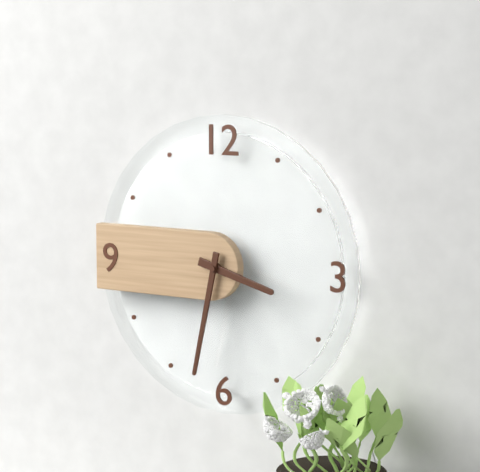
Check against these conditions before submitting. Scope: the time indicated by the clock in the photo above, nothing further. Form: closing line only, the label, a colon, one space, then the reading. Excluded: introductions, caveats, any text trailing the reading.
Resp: 3:32
